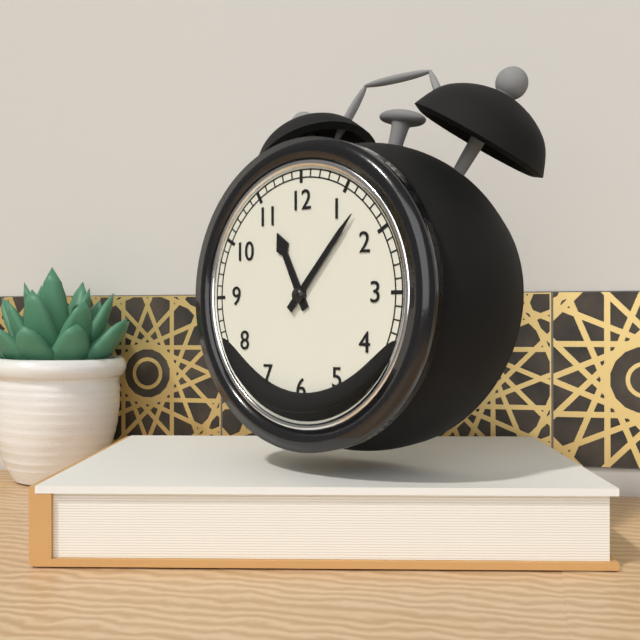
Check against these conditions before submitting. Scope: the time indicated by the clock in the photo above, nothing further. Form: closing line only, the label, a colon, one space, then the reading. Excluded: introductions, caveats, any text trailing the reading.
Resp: 11:07
